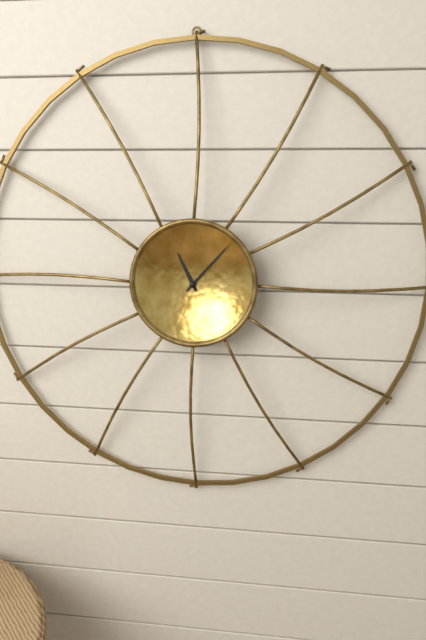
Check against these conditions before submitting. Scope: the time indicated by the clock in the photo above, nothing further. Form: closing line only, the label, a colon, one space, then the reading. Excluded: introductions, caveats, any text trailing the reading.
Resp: 11:07
